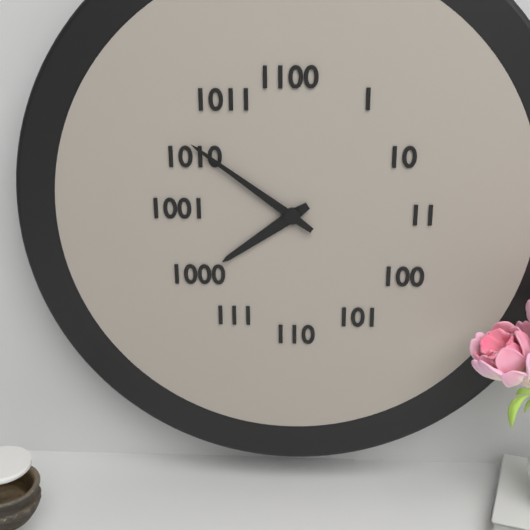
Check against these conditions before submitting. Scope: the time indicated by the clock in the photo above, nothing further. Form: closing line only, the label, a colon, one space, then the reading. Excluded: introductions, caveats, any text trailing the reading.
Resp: 7:51
